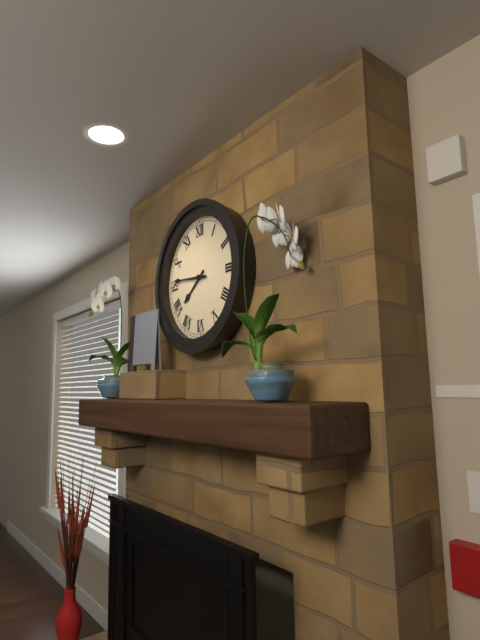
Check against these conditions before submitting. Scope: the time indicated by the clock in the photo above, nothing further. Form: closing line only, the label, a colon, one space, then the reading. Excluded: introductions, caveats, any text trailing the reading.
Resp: 7:46
